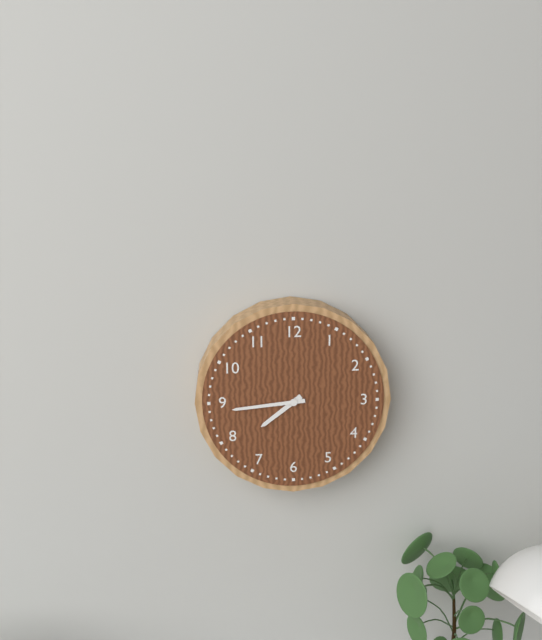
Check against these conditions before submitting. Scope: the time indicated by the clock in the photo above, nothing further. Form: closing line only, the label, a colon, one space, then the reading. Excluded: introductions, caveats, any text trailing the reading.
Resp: 7:44
